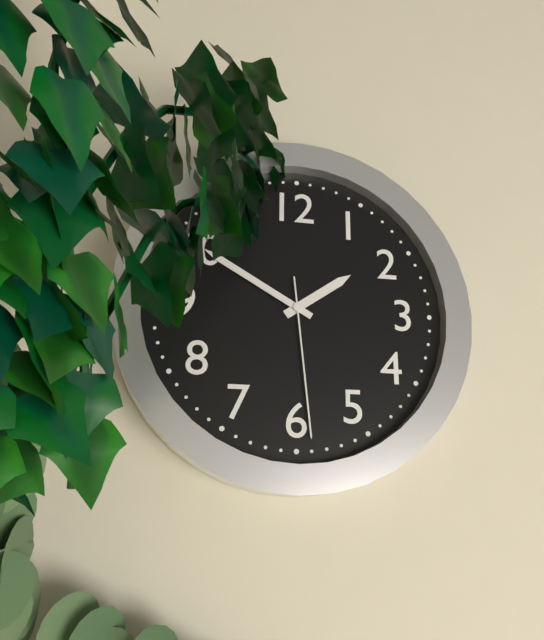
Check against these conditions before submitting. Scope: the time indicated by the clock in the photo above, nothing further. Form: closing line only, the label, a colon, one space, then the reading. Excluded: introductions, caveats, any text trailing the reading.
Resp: 1:50:29
